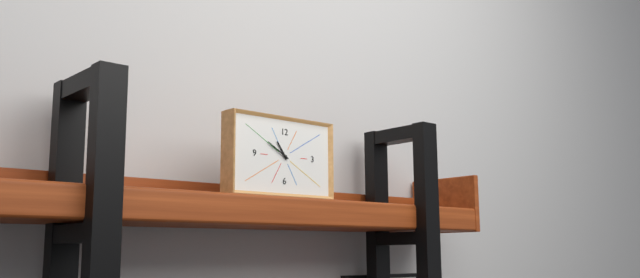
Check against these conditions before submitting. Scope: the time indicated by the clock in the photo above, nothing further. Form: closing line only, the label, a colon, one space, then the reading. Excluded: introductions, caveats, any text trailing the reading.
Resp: 10:50
